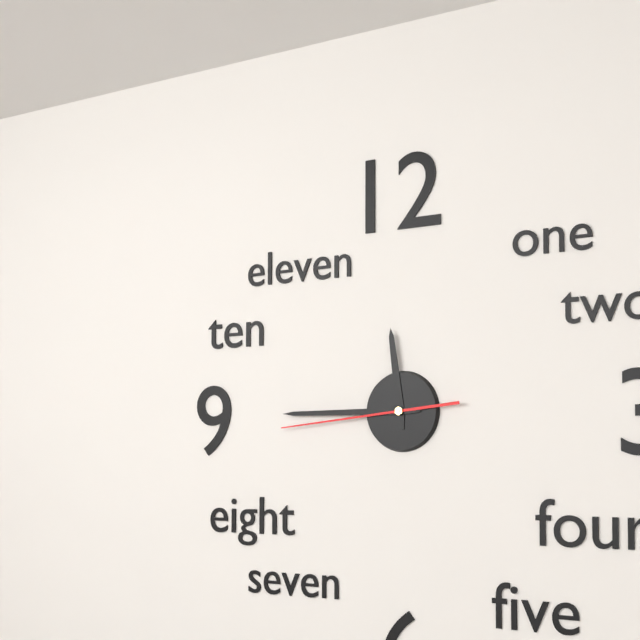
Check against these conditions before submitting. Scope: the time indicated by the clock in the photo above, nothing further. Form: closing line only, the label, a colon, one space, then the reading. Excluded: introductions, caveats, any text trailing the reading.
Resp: 11:45:44
